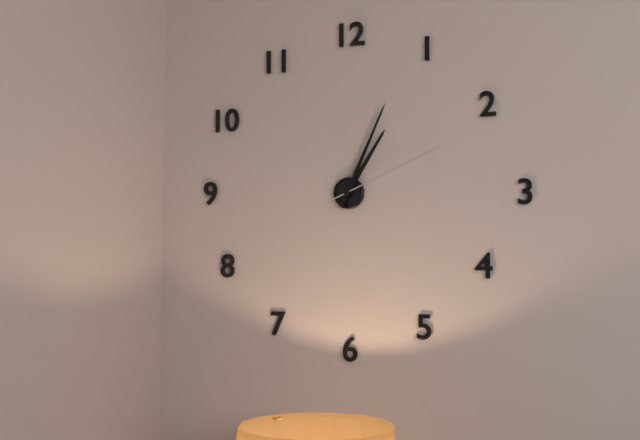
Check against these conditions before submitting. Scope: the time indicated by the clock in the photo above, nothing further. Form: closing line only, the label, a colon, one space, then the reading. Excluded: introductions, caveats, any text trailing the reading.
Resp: 1:04:11
